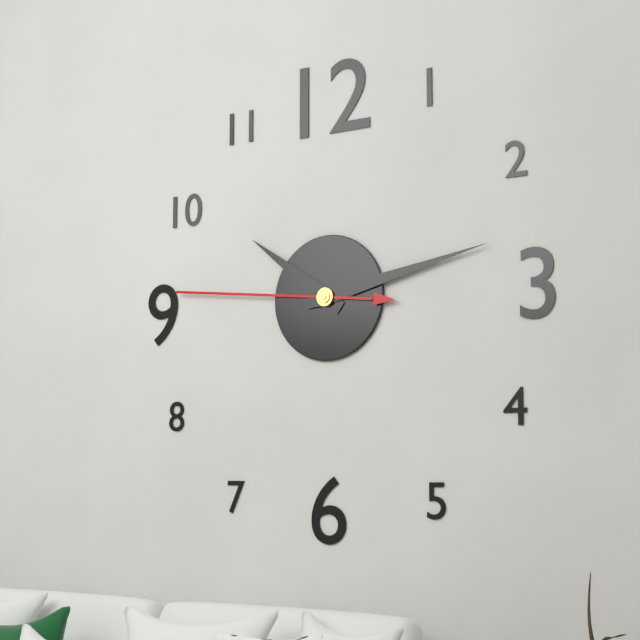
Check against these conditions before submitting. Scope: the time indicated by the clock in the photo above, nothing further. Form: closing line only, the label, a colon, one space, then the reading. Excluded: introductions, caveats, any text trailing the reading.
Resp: 10:13:46
